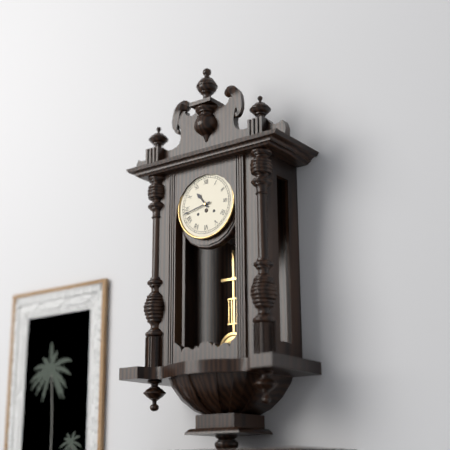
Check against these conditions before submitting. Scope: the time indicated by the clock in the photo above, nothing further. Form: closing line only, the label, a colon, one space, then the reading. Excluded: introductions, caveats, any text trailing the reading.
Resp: 10:43
